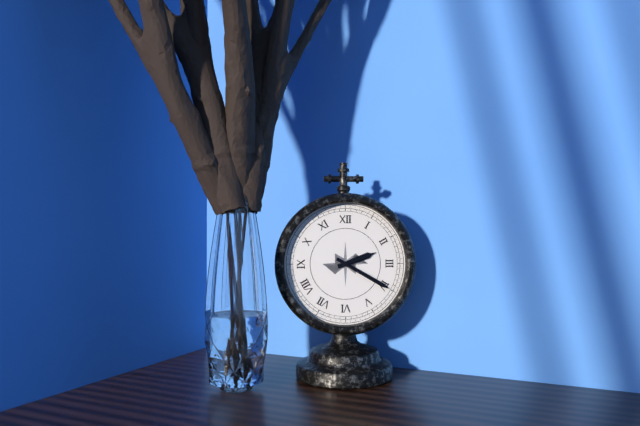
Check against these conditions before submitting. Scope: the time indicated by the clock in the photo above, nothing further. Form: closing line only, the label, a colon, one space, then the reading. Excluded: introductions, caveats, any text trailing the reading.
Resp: 2:20
